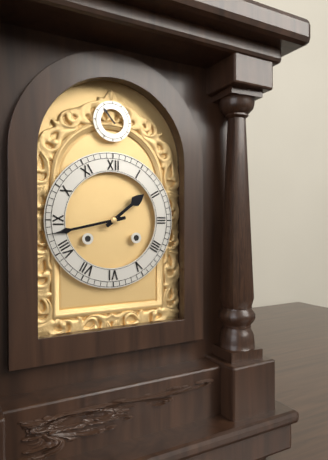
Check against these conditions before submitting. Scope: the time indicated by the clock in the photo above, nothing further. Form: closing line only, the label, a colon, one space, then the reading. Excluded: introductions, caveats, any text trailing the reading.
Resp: 1:43
